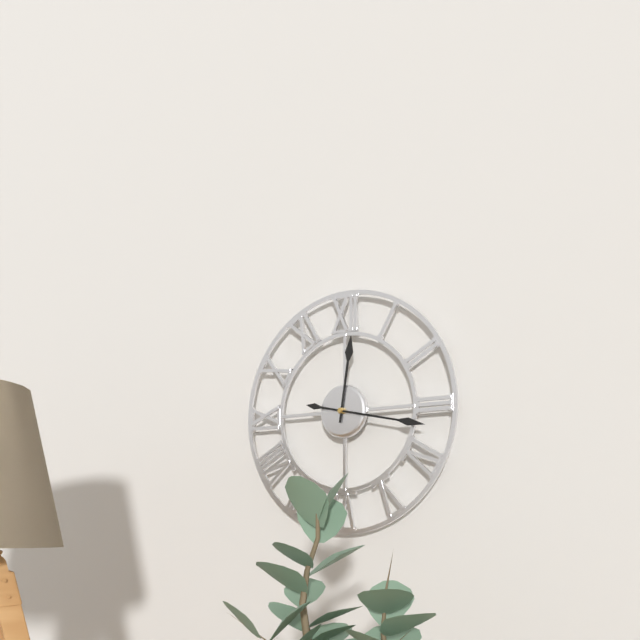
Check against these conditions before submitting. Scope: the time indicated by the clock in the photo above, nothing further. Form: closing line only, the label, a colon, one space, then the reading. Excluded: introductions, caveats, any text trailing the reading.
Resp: 12:17
